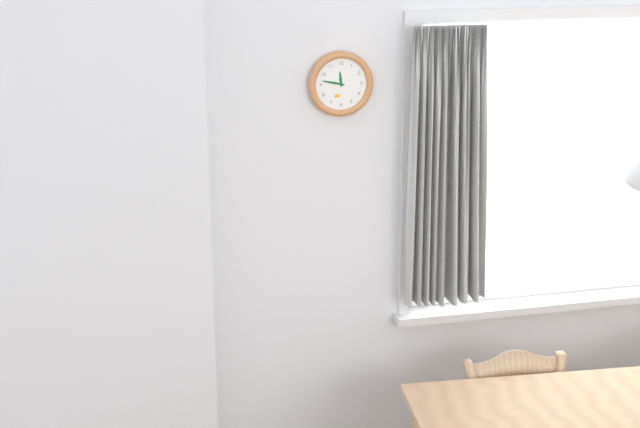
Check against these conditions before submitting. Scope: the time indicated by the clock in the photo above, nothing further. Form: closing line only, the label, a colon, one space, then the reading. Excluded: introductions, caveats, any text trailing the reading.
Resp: 11:47
